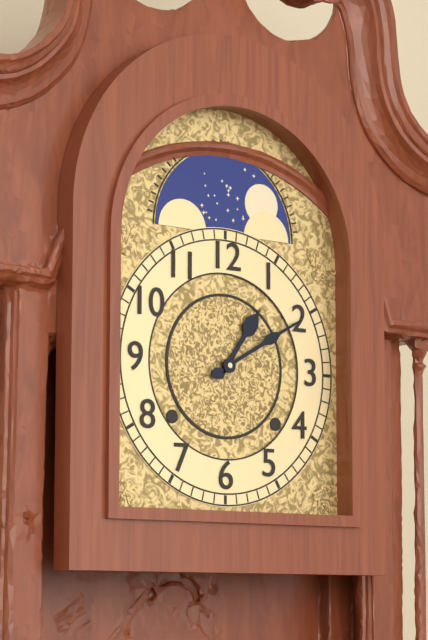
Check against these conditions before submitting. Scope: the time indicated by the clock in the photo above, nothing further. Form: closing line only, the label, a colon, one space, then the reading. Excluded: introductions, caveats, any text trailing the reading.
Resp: 1:10
